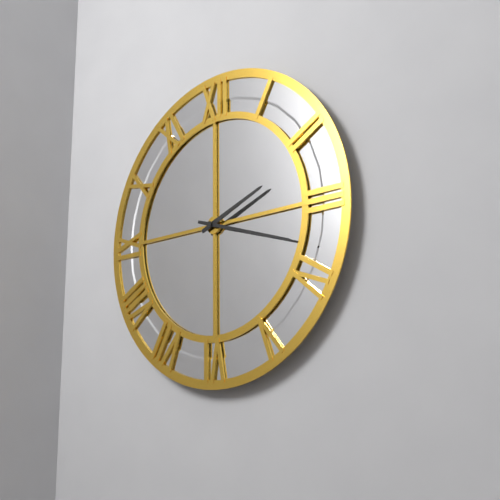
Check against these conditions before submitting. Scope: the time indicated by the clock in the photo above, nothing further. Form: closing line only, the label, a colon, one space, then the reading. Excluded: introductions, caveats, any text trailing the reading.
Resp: 2:18
